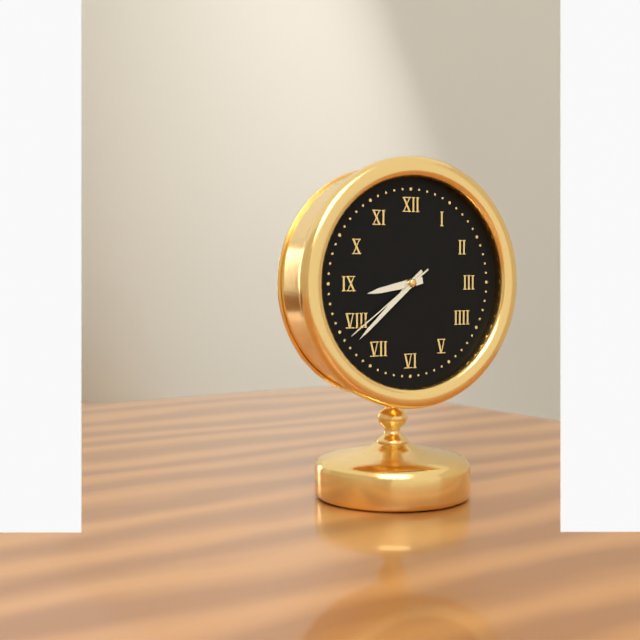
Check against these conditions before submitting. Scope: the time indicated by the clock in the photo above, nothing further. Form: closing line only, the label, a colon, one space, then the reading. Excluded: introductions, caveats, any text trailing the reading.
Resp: 8:38:39
